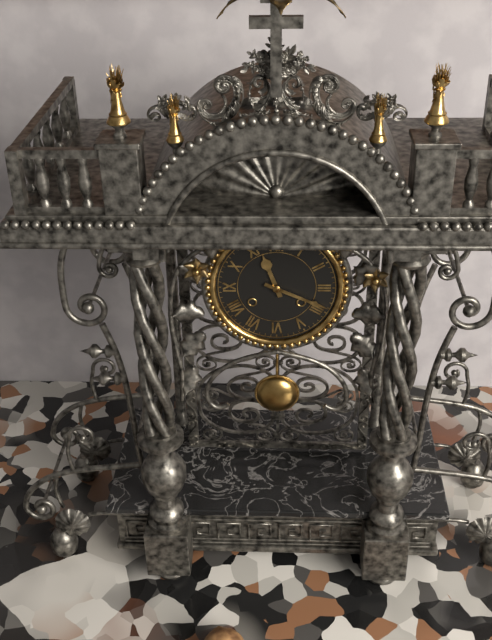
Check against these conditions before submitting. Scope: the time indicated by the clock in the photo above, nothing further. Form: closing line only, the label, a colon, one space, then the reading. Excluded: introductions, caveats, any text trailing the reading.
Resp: 11:19
